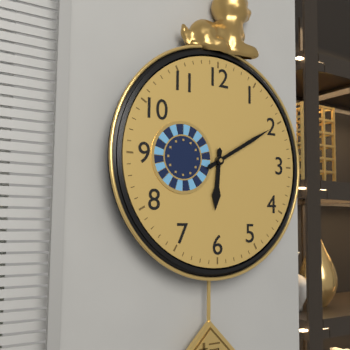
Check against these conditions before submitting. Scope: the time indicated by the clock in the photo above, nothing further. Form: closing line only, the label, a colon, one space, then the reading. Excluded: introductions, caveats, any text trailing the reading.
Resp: 6:10
